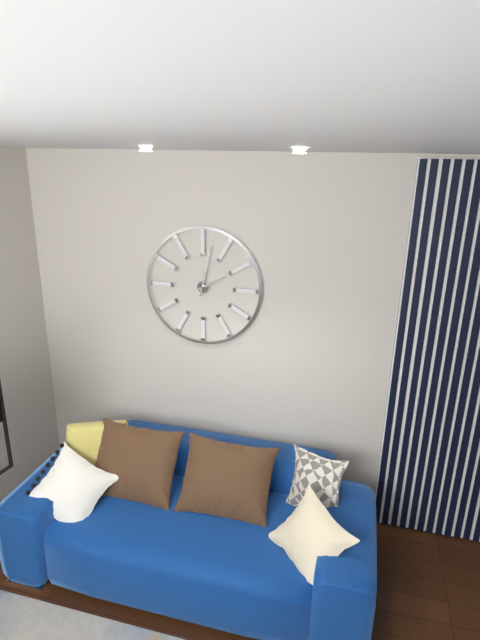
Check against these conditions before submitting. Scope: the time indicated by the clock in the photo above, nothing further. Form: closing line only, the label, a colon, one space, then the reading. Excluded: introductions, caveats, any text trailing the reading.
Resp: 2:02
